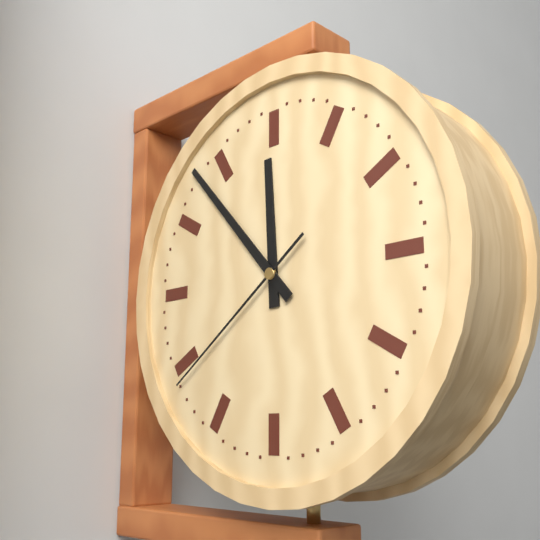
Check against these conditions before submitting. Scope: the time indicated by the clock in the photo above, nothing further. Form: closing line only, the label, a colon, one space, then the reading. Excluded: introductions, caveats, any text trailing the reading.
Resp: 11:53:39
